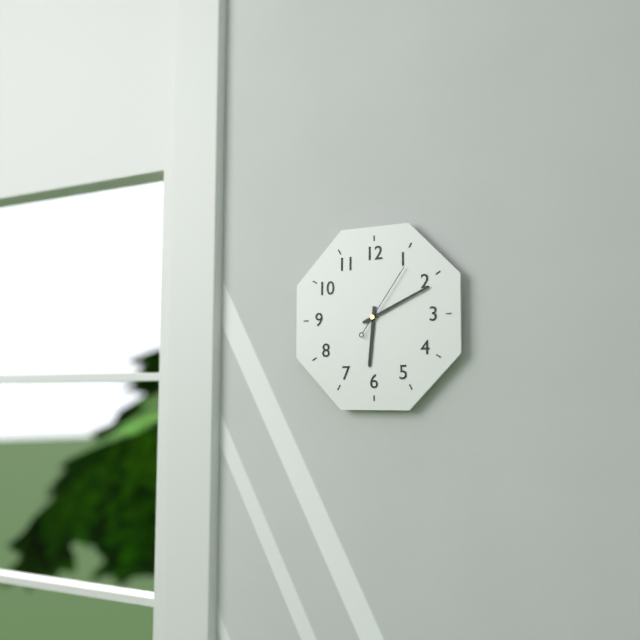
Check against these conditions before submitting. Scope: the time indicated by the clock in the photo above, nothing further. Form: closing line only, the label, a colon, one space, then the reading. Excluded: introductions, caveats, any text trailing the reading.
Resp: 6:11:06
